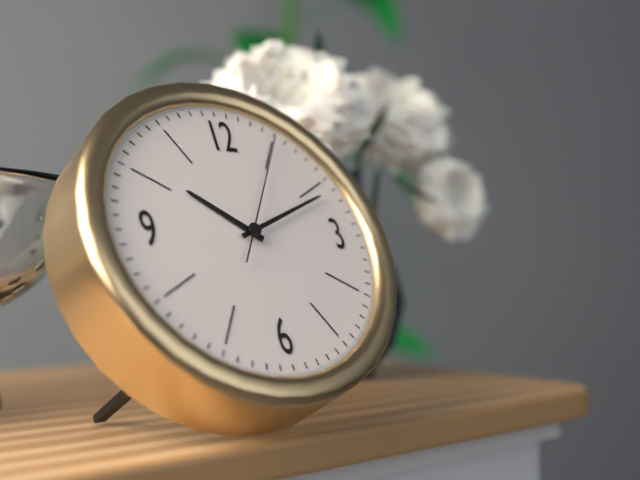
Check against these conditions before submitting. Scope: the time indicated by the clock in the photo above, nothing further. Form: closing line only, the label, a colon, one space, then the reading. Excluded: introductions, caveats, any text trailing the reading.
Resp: 10:11:05
